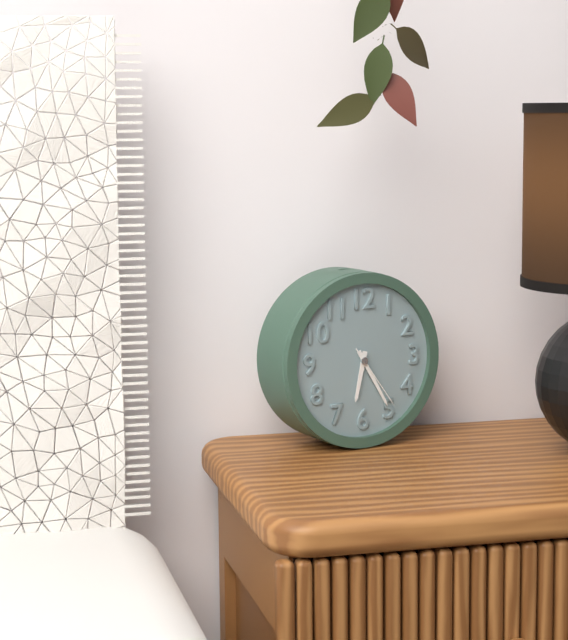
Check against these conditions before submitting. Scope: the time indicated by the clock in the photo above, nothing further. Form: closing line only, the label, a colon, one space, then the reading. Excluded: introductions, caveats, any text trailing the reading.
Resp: 6:25:24
